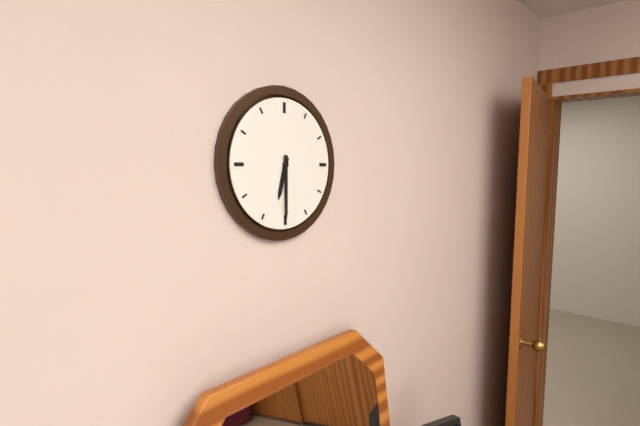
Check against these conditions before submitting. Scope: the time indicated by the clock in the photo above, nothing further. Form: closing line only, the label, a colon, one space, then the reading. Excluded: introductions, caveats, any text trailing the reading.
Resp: 6:30
